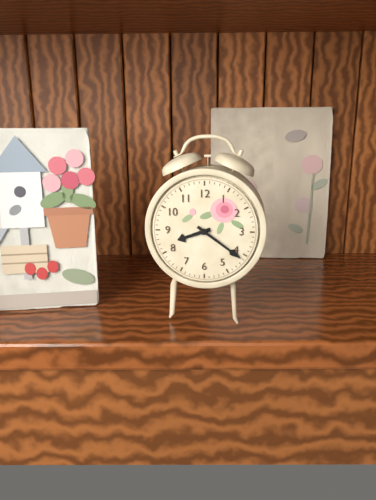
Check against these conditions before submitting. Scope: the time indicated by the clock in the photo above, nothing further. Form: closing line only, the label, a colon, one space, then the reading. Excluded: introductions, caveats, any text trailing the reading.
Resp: 8:21
